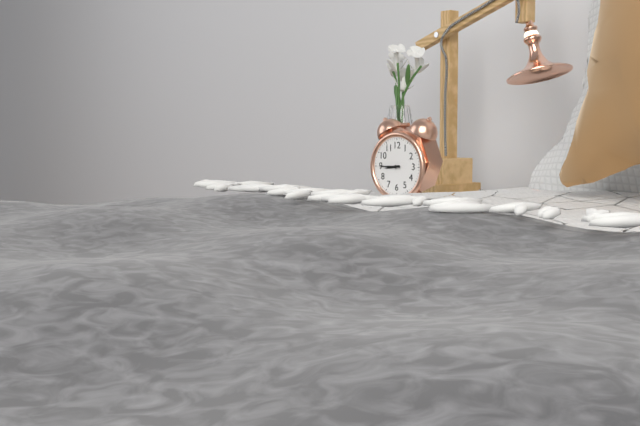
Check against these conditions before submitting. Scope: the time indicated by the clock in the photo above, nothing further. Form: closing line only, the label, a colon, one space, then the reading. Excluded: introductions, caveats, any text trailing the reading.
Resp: 8:45
